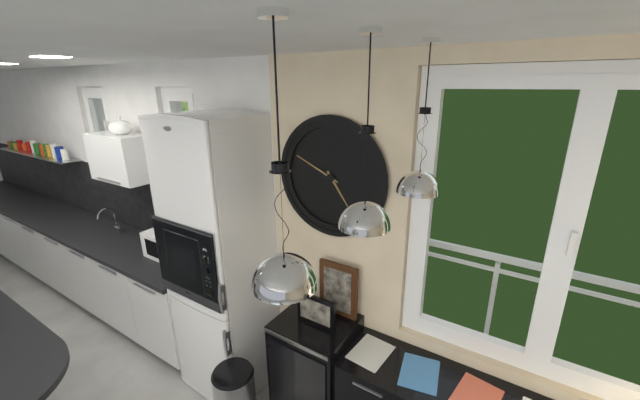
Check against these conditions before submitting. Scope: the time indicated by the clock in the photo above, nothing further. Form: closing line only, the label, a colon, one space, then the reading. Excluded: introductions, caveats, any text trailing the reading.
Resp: 4:49
